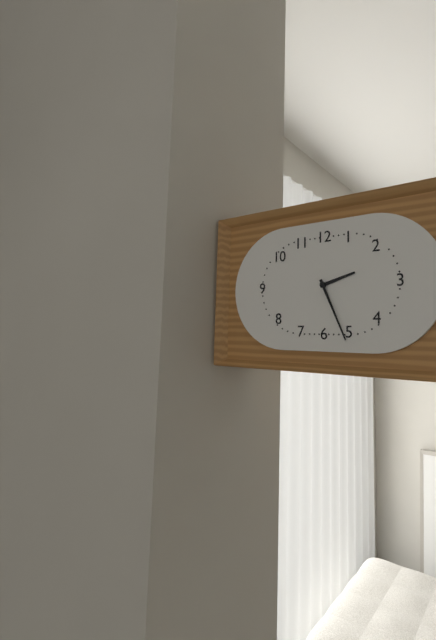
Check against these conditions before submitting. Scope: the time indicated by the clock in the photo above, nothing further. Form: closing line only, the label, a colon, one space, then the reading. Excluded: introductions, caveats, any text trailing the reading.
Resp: 2:26
